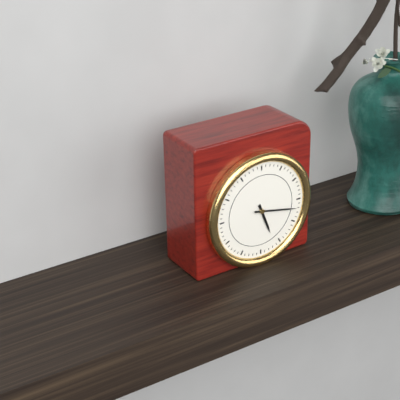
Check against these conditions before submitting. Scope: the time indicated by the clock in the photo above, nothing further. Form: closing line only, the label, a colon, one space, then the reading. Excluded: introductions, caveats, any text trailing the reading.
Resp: 5:17
